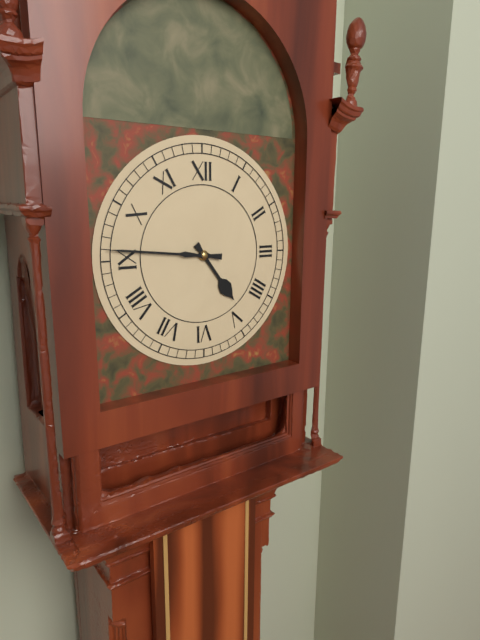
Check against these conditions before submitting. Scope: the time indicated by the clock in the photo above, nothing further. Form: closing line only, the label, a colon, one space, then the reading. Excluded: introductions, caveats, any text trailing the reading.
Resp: 4:46
